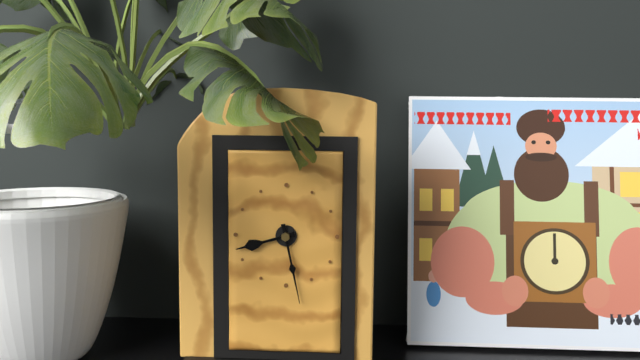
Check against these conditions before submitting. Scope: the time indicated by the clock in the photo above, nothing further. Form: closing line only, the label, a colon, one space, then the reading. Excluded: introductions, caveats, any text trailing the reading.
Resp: 8:28
